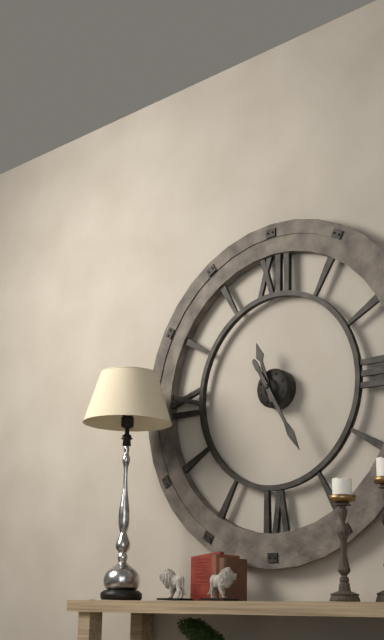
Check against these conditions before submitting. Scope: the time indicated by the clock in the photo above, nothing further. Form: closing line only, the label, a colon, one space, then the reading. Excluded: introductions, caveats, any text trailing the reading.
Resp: 11:25
